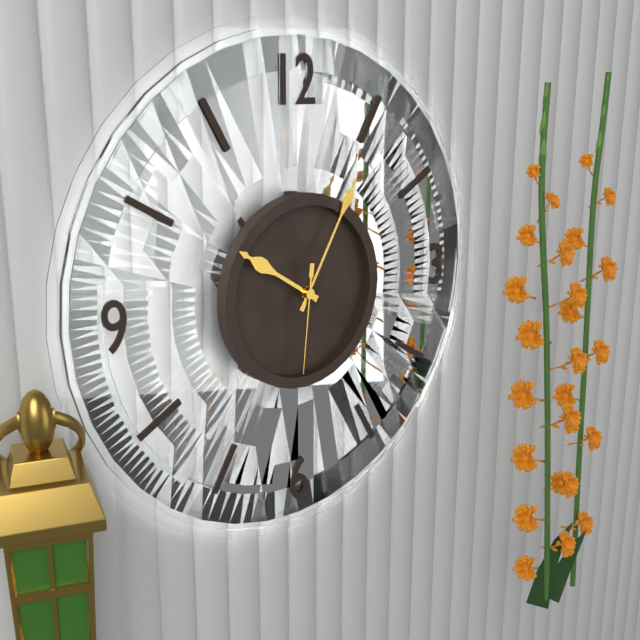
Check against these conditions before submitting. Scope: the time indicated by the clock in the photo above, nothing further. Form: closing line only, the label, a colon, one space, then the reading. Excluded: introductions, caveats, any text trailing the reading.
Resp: 10:05:31
